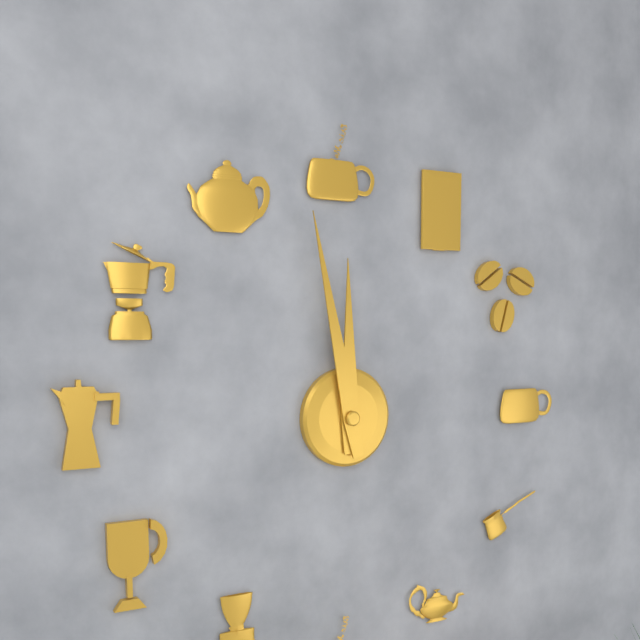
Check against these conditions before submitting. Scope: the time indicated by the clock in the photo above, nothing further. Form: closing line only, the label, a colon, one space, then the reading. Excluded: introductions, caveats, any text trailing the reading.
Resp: 11:58
